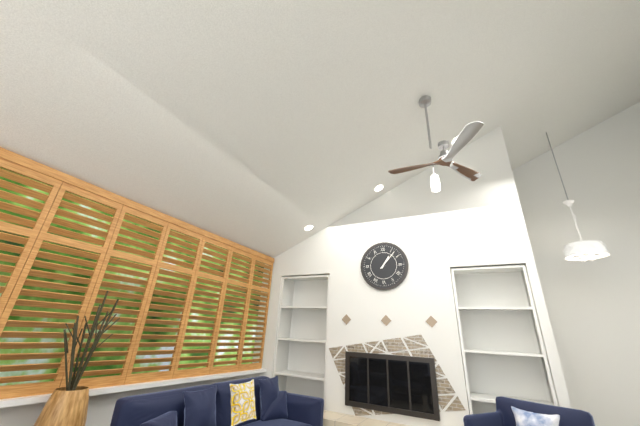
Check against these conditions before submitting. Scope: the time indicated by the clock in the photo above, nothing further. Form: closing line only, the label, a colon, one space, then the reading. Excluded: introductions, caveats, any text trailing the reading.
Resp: 1:07
